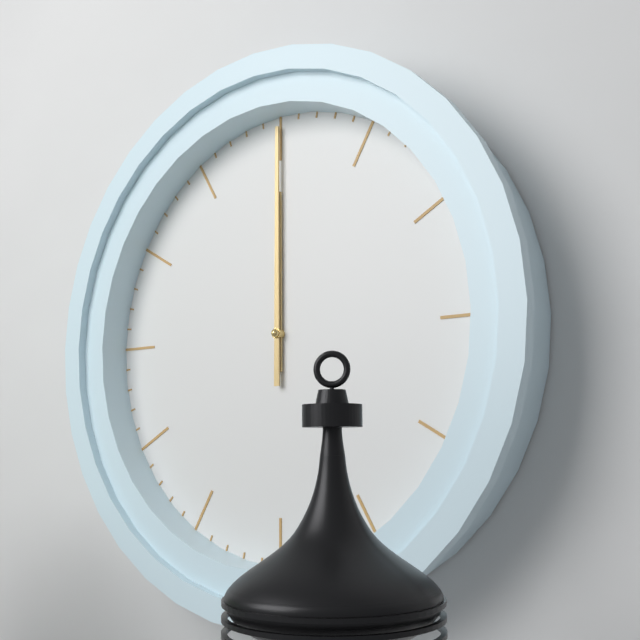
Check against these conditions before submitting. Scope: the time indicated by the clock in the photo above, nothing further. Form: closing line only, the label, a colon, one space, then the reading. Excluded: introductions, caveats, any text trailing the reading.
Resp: 12:00
